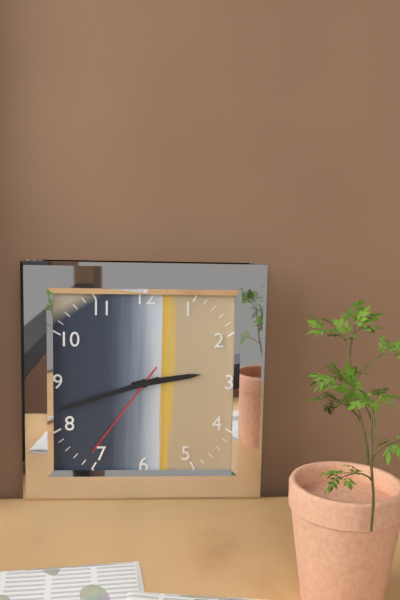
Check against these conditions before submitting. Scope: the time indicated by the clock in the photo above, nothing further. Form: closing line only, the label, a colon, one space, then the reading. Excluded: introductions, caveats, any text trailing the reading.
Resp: 2:42:36
